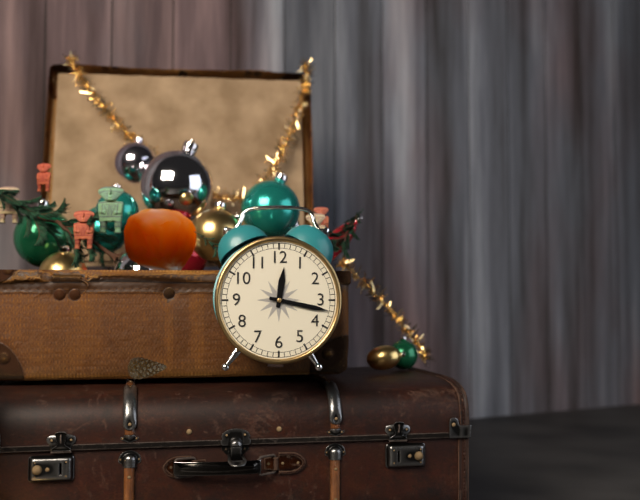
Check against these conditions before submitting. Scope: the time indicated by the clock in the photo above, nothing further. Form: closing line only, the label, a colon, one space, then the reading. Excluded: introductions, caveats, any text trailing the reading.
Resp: 12:17
